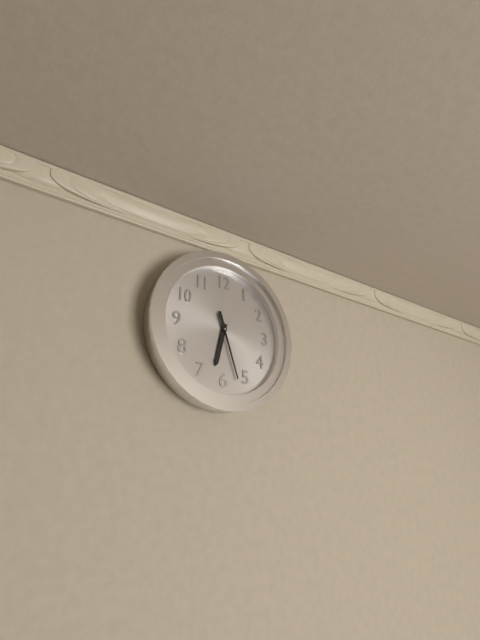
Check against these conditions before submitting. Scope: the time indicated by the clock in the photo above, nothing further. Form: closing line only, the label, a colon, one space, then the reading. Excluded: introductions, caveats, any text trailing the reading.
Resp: 6:27
